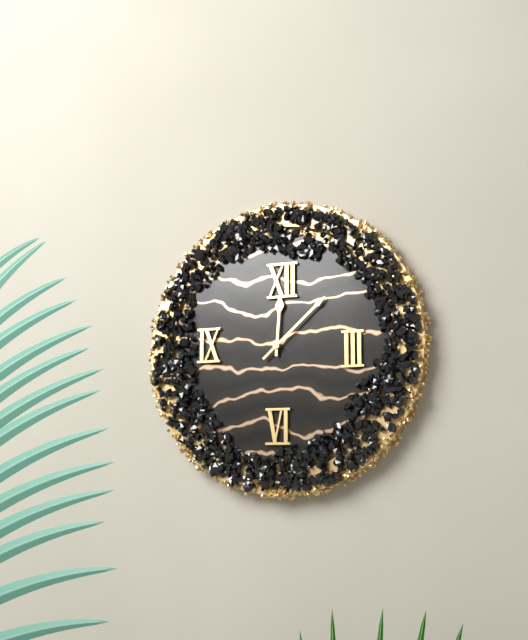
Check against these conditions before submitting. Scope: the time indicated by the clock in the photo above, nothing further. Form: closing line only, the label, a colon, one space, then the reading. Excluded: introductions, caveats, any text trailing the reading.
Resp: 12:08
